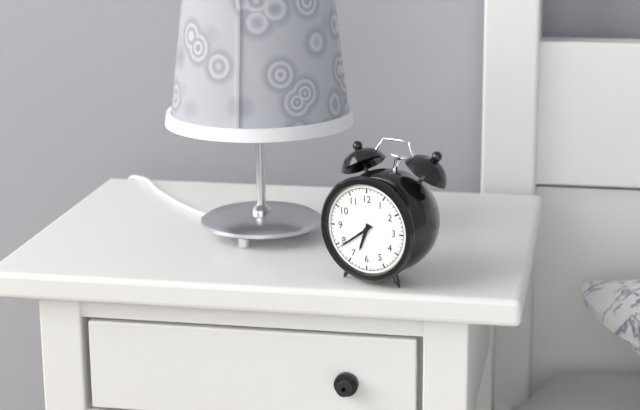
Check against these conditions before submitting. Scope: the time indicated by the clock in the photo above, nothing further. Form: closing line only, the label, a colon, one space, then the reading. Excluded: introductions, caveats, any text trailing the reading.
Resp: 6:39
